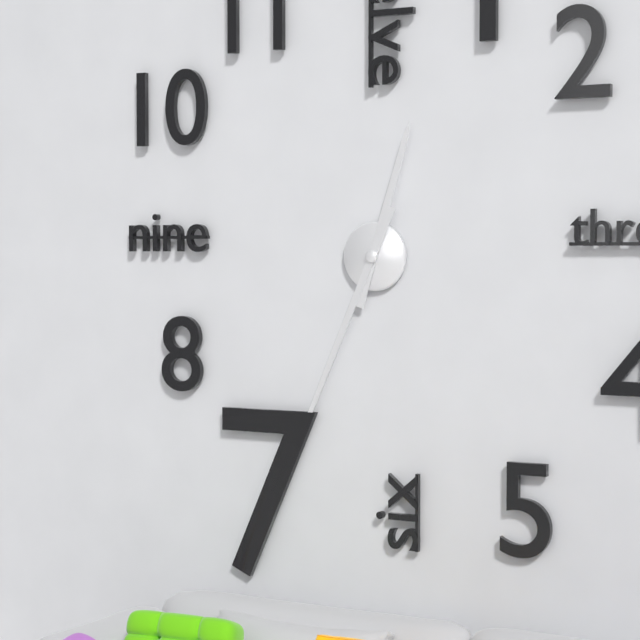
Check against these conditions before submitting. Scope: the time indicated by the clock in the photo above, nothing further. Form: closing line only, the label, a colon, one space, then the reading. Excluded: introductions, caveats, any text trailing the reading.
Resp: 12:34
